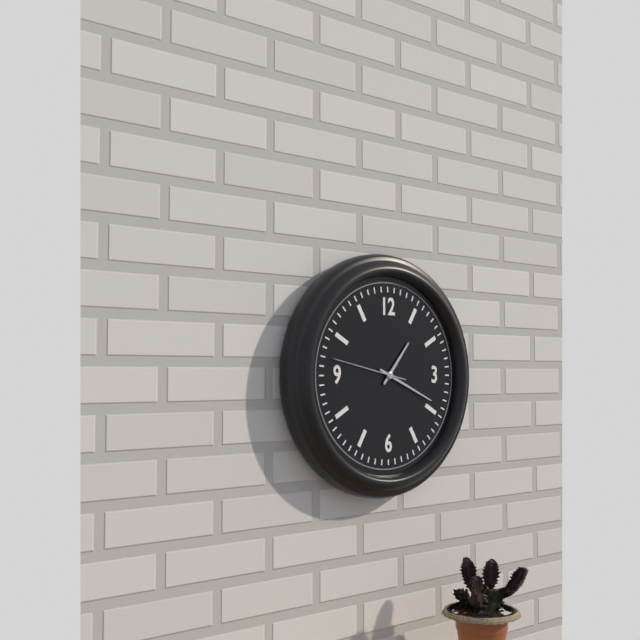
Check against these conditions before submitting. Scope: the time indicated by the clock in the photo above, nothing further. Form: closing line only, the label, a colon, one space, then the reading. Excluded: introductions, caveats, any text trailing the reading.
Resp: 1:19:47
